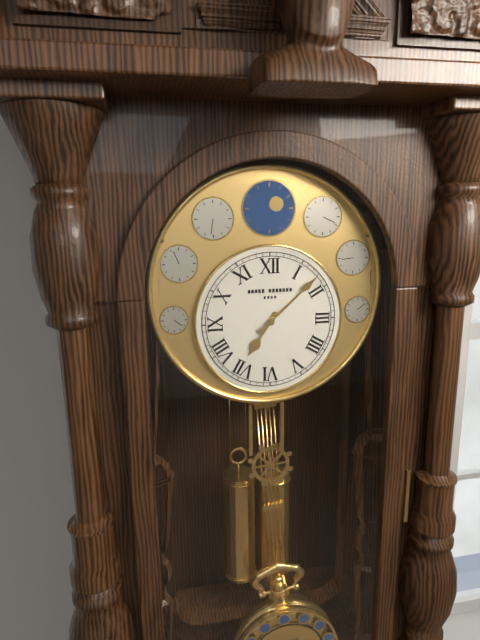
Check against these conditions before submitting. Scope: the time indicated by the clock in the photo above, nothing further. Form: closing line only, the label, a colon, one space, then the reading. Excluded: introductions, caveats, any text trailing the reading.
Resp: 7:08
